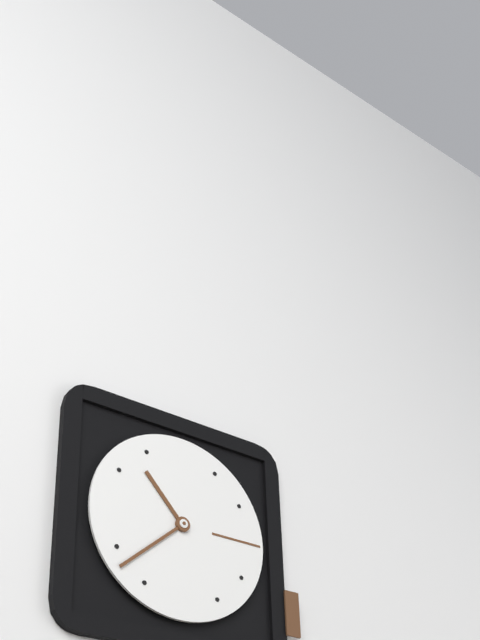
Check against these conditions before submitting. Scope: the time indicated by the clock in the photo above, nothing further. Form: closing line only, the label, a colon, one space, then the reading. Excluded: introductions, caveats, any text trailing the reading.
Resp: 10:38
